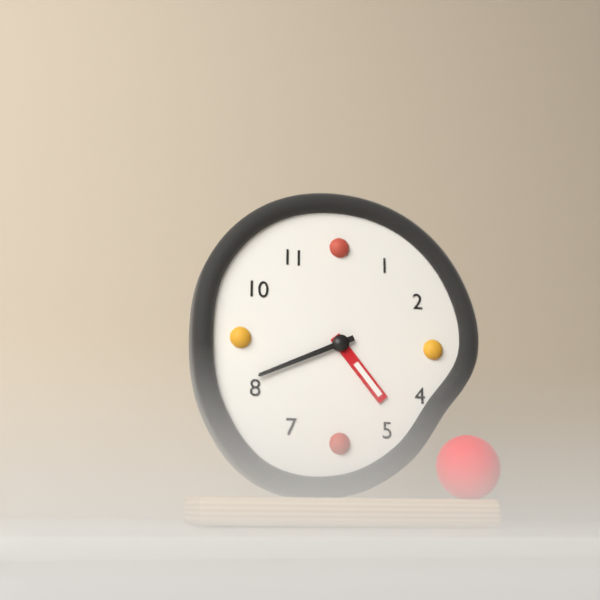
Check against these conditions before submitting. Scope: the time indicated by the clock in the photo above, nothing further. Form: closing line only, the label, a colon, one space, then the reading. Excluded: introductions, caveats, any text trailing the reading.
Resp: 4:41
